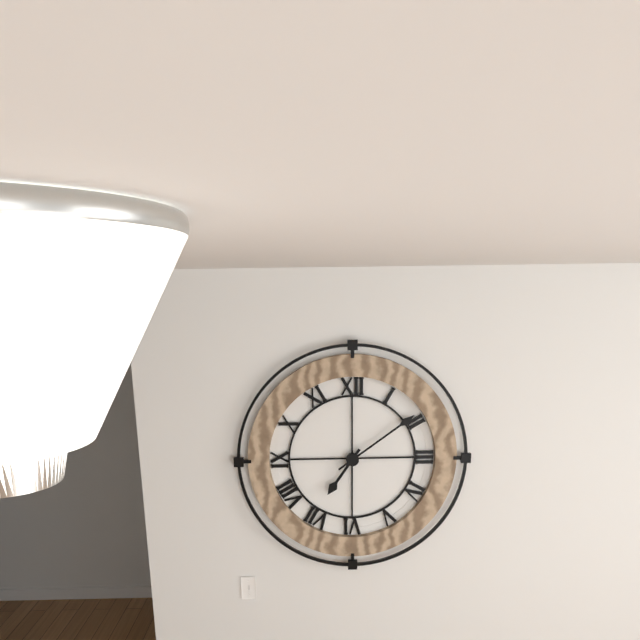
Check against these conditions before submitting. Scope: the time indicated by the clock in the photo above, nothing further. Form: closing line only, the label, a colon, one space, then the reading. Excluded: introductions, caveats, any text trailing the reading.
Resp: 7:09
